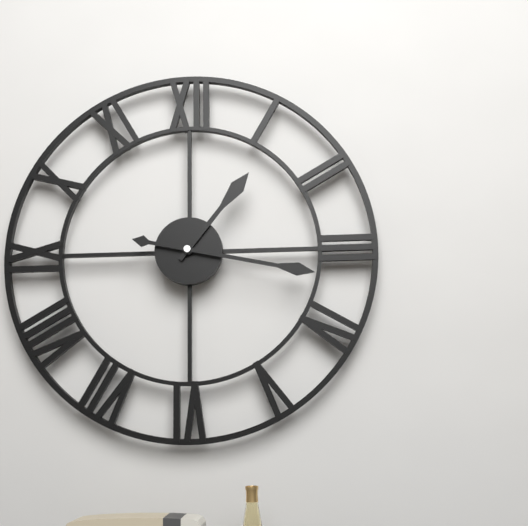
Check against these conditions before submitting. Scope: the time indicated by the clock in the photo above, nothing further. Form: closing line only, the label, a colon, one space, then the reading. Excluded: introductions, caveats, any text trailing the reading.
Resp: 1:17
